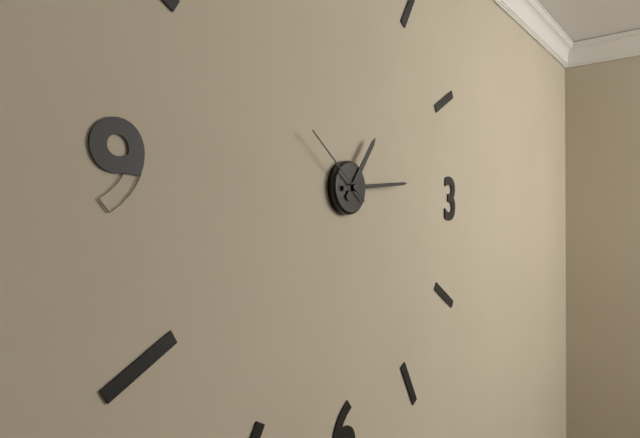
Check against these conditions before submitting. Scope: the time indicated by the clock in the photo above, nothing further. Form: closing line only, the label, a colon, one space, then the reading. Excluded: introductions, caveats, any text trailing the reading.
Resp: 1:14:51
